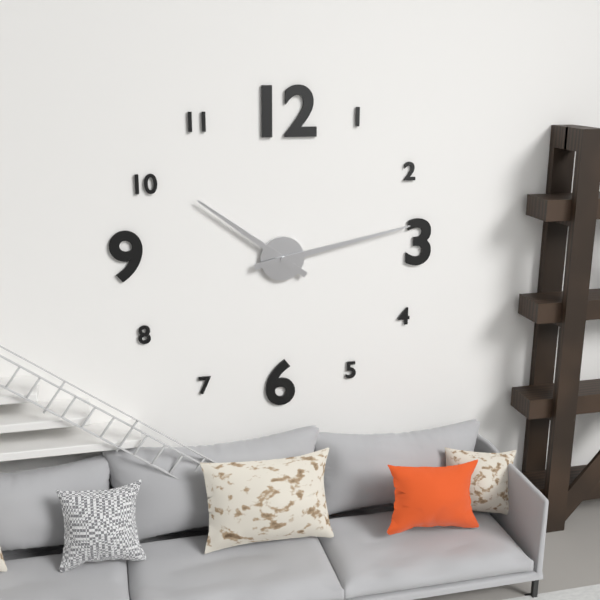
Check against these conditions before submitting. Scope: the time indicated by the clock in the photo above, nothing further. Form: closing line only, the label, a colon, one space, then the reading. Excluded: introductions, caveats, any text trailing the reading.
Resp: 10:13
